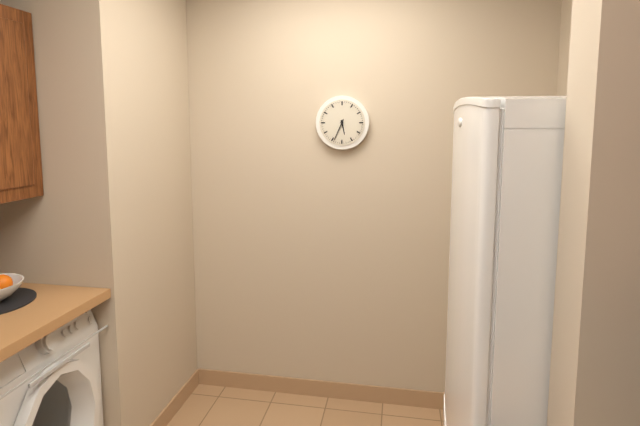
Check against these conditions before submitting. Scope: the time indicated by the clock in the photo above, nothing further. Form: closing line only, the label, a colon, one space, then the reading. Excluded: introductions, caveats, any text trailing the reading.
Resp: 5:34
